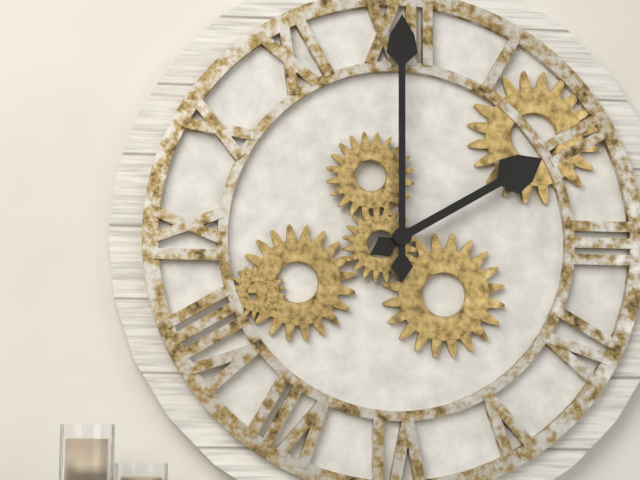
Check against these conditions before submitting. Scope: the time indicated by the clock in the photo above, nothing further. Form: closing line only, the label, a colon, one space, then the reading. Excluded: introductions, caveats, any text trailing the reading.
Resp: 2:00
